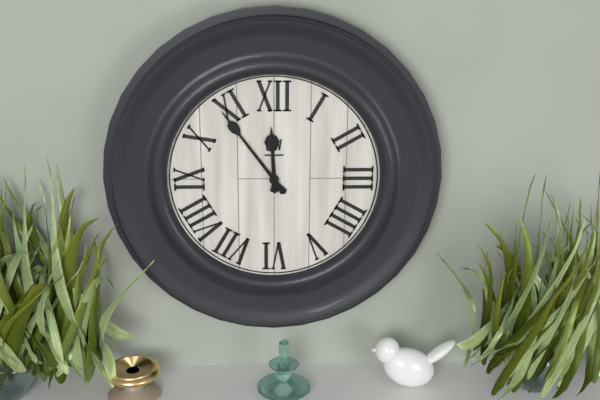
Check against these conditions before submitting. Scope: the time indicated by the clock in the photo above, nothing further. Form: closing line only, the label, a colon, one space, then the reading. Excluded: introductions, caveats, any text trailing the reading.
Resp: 11:54
